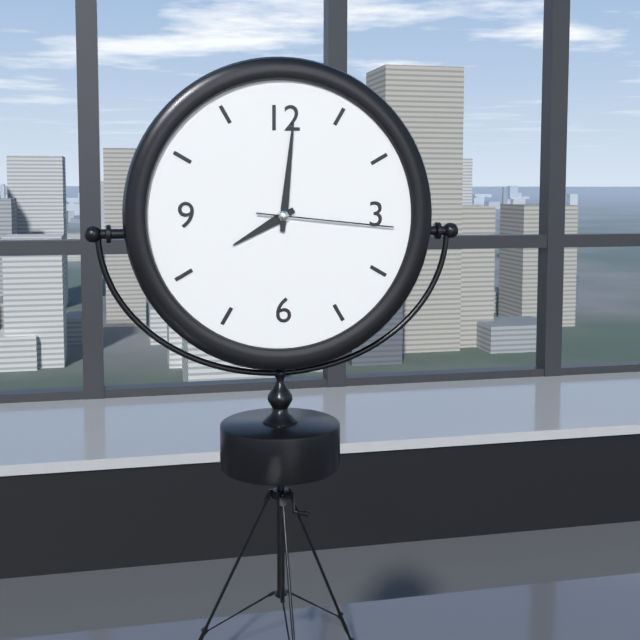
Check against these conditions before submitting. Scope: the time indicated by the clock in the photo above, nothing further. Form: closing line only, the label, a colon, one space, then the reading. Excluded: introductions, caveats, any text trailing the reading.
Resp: 8:01:16
